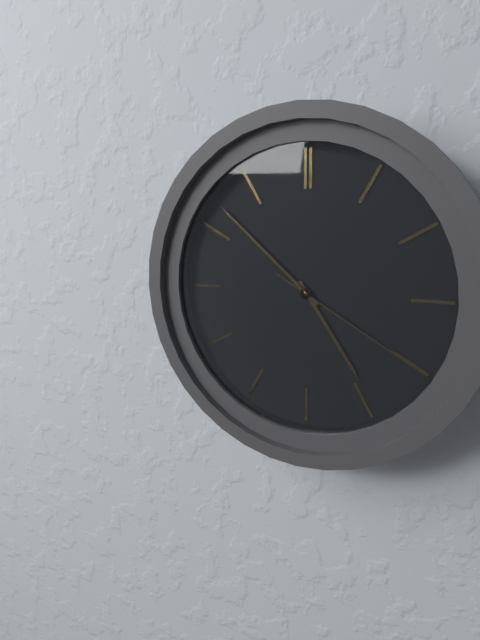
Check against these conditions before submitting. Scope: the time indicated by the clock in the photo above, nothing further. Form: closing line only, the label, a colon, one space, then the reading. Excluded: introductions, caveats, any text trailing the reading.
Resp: 4:52:20
